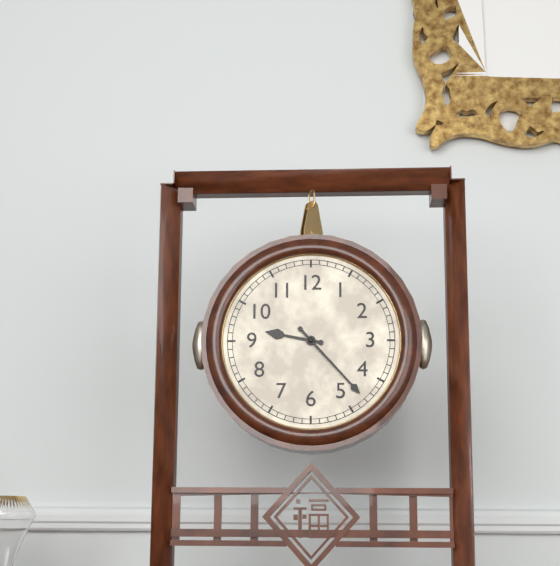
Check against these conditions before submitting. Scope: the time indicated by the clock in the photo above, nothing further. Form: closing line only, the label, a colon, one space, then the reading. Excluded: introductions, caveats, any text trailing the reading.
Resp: 9:23
